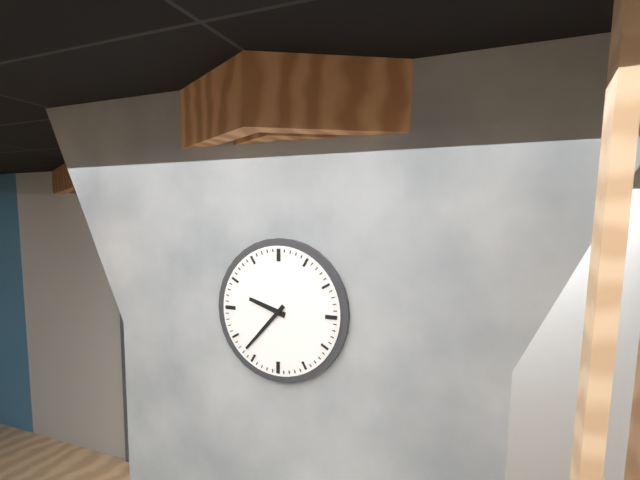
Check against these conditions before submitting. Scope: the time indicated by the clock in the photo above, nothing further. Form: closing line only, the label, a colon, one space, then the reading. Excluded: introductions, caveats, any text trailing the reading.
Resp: 9:37
